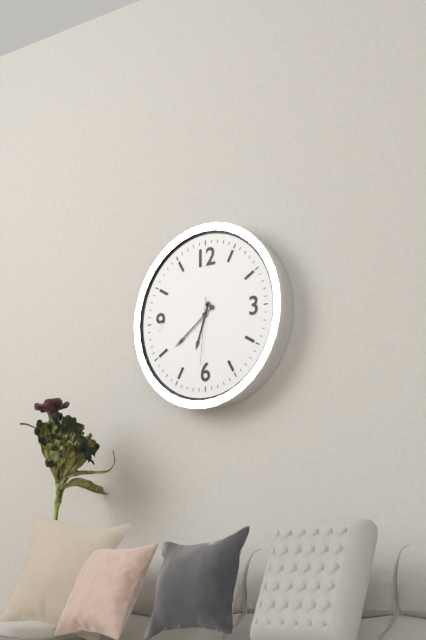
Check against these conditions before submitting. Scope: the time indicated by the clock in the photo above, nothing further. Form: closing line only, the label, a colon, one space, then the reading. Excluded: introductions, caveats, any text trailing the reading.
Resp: 6:39:31
